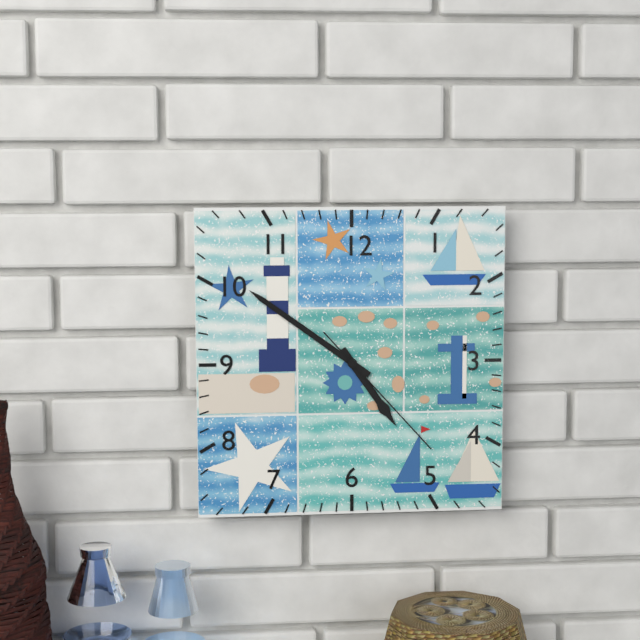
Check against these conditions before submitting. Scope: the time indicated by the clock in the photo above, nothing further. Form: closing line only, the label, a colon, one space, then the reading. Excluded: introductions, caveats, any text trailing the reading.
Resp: 4:51:23
